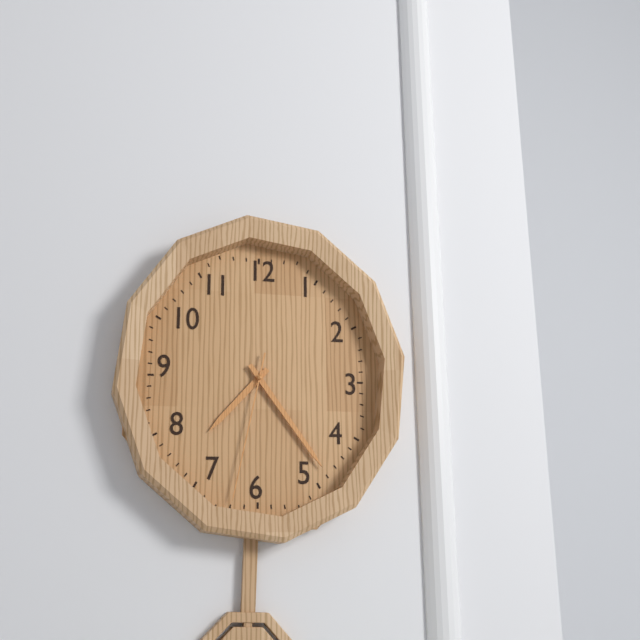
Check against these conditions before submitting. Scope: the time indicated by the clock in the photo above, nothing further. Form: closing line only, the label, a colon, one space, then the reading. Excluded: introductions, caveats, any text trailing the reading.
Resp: 7:24:32
